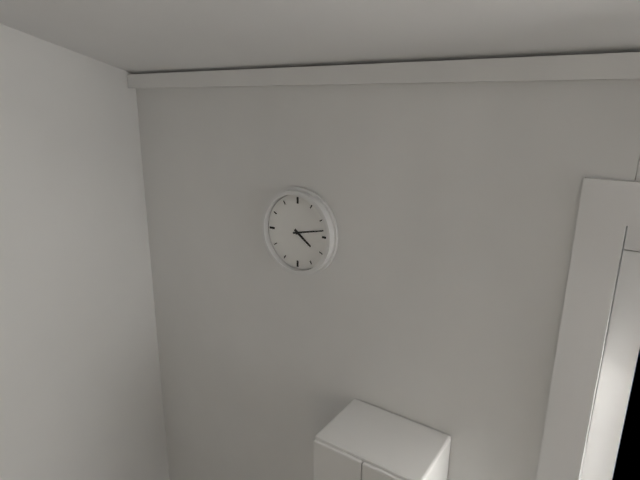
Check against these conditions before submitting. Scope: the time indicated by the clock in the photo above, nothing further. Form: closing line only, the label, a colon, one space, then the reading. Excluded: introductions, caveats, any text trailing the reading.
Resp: 4:13
